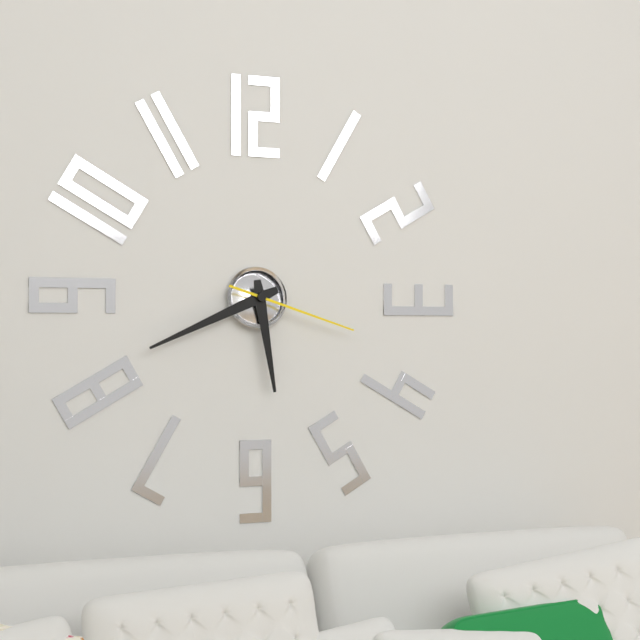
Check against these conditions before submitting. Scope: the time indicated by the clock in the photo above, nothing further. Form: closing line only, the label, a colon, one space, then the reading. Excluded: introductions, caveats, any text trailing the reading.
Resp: 5:41:18
